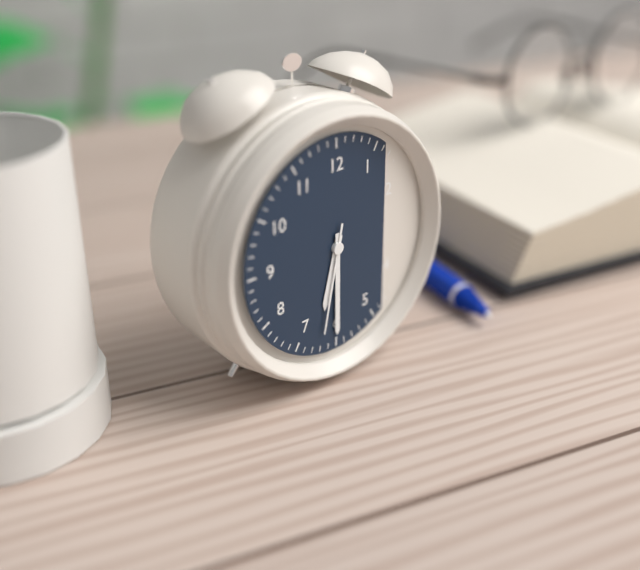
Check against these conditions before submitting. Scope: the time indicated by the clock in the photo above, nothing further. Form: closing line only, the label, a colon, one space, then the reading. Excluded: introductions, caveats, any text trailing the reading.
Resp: 6:30:32
